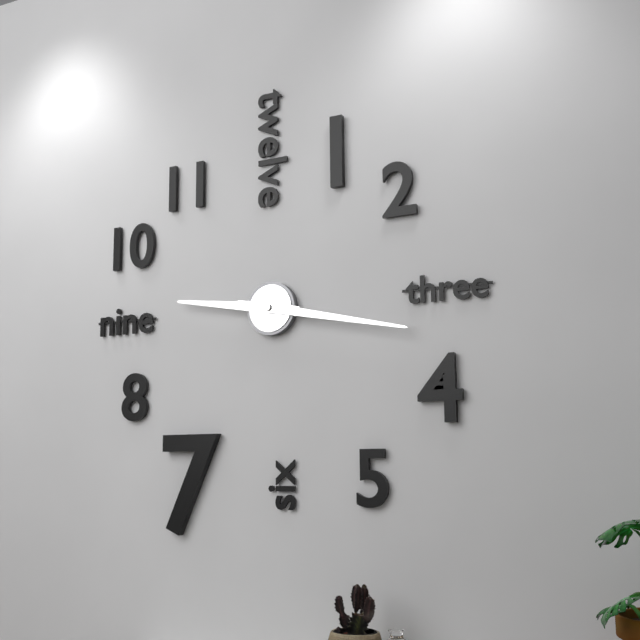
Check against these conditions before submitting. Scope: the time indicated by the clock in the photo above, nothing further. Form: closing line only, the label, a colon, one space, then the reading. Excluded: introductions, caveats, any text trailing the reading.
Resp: 9:17
